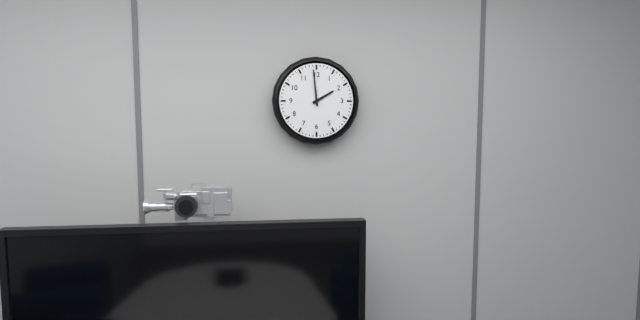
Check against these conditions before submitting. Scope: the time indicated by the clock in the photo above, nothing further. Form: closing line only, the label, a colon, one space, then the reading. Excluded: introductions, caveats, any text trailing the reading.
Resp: 1:59
